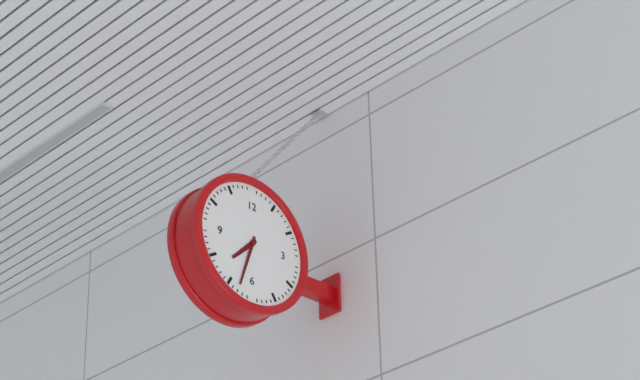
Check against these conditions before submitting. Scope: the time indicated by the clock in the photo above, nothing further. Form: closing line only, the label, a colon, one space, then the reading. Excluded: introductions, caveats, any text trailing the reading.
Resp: 7:33
